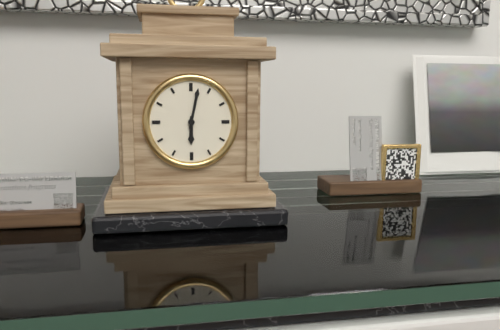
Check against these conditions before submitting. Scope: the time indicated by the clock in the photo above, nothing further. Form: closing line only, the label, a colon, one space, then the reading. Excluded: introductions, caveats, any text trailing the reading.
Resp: 6:02
